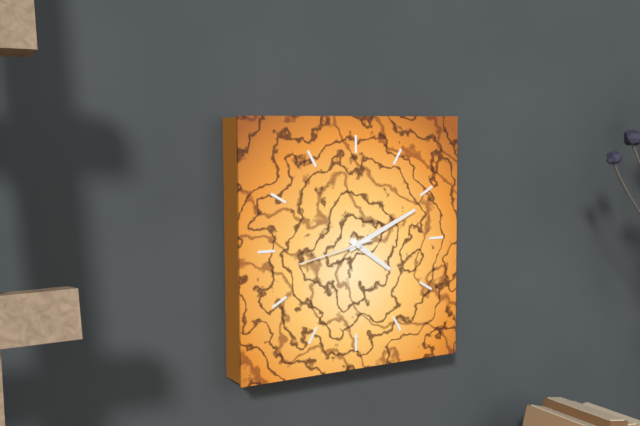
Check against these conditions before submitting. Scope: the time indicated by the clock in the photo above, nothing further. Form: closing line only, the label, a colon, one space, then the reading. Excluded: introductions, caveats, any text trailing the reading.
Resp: 4:11:43
